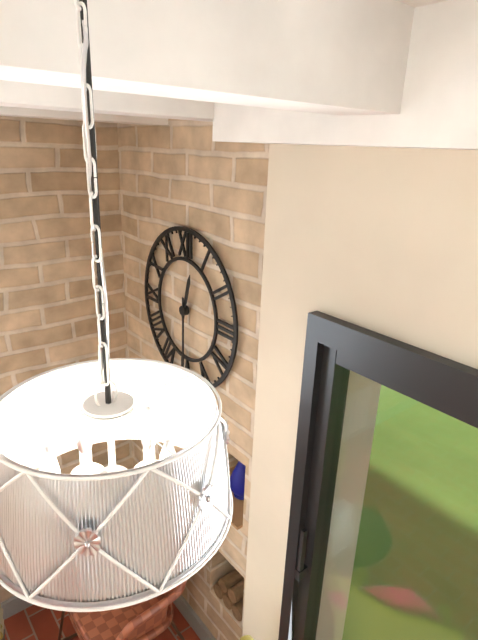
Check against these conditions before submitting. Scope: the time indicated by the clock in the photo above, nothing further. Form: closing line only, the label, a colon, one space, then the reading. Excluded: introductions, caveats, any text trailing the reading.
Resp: 12:30
